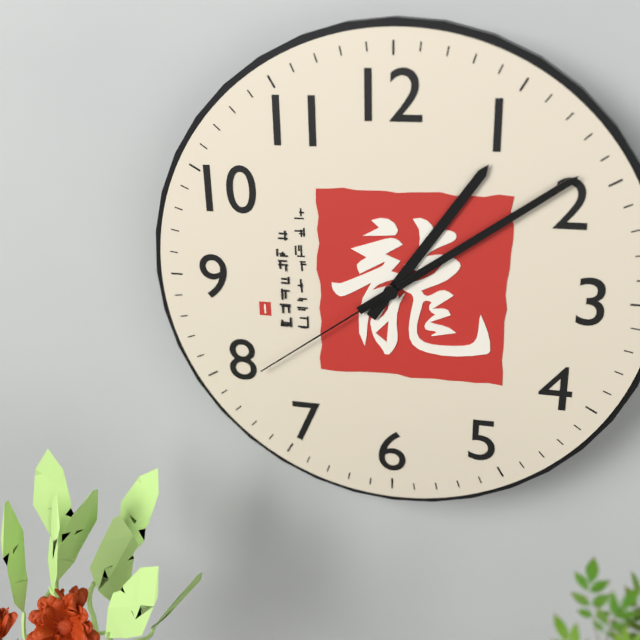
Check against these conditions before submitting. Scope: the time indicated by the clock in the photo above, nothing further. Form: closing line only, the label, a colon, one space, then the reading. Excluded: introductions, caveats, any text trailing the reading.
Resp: 1:09:39
